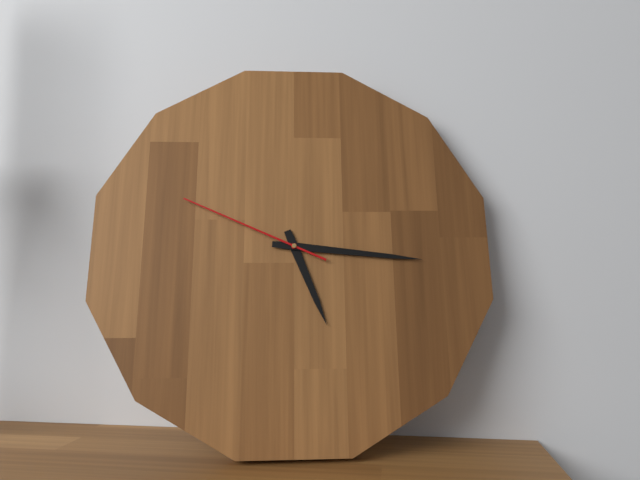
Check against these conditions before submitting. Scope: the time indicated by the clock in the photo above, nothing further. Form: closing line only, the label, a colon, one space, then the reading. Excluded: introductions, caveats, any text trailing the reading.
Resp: 5:16:49
